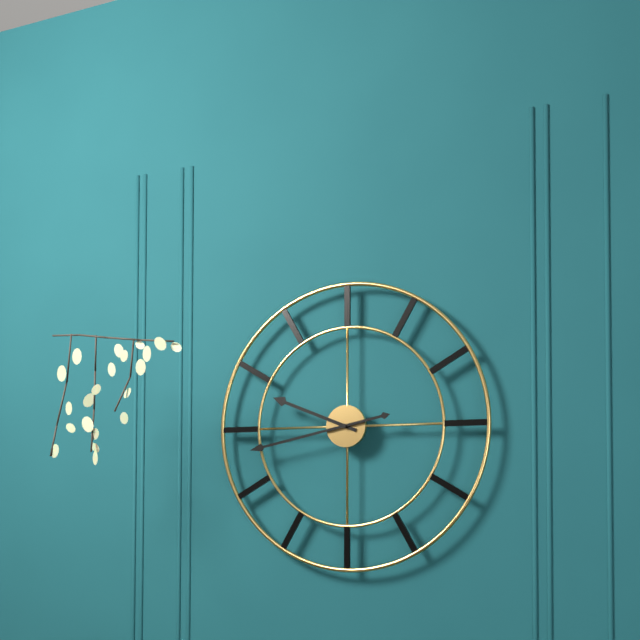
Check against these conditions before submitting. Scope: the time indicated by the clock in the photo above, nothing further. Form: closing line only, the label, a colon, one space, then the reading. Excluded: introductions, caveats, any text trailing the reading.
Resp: 9:43
